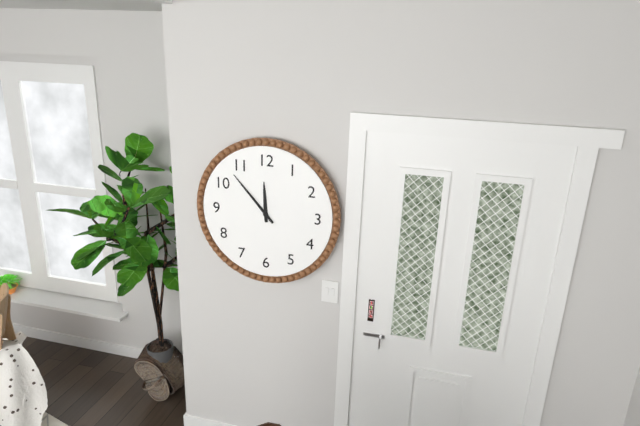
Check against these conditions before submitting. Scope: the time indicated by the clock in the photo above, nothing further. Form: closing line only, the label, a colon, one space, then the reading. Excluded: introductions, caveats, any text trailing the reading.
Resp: 11:53
